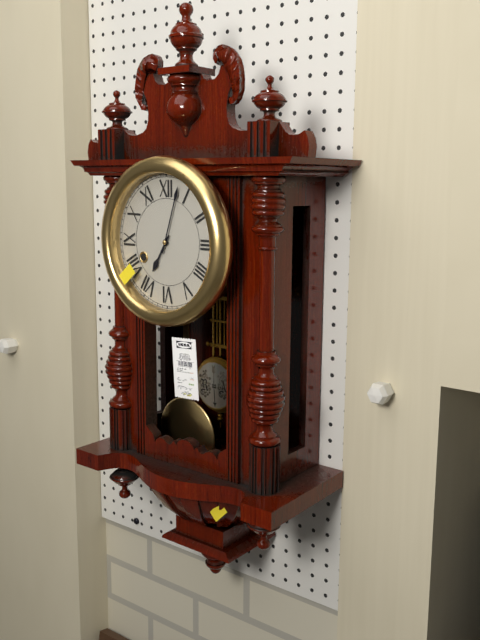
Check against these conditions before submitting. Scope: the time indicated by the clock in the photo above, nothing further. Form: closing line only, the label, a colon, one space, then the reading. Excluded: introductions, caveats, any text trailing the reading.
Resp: 7:03
